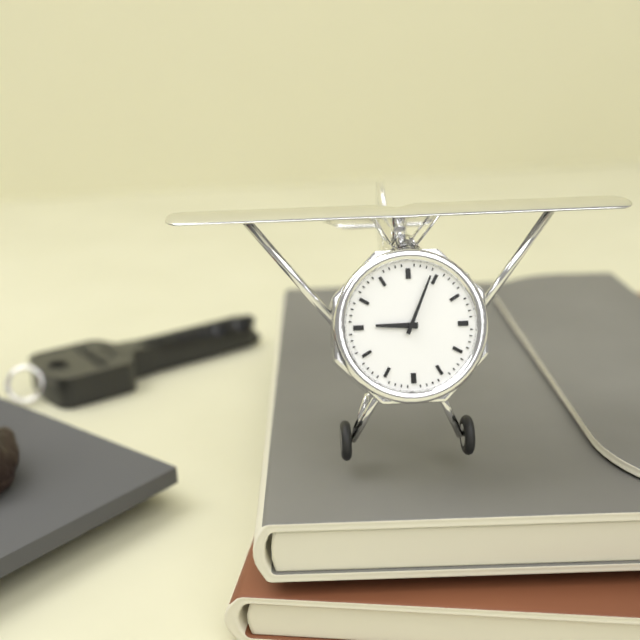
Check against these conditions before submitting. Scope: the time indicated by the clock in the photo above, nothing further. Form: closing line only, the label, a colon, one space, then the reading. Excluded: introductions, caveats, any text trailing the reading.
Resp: 9:04
